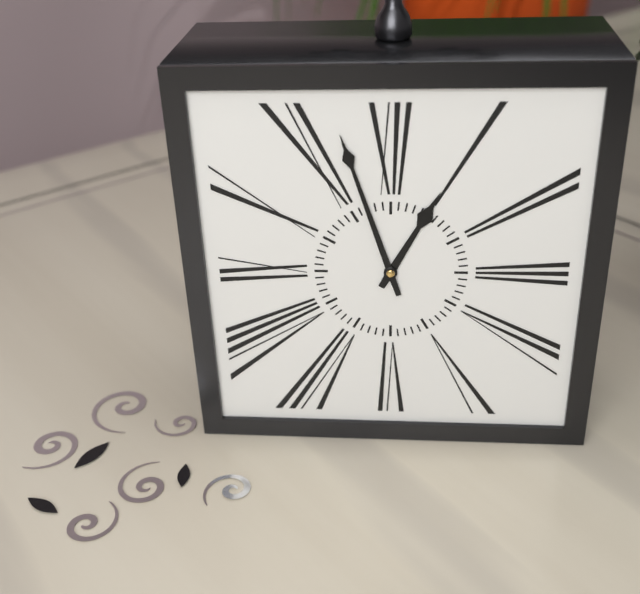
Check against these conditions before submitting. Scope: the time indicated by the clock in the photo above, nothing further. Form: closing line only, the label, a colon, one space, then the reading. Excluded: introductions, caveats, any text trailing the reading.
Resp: 12:57
